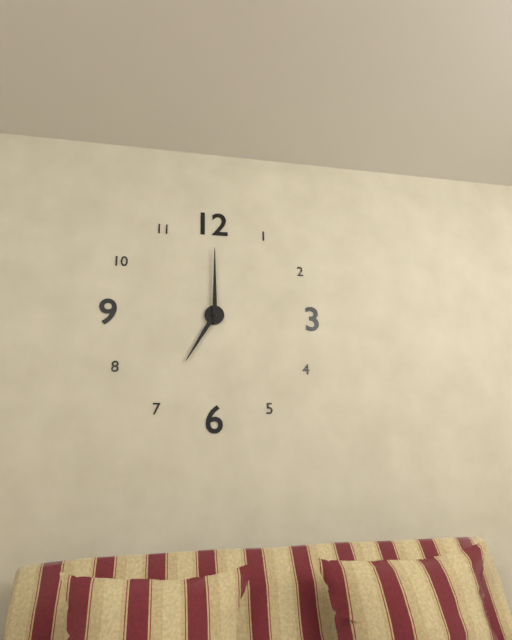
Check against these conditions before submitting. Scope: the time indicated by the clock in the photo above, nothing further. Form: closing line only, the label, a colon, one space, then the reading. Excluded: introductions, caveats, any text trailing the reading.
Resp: 7:00
